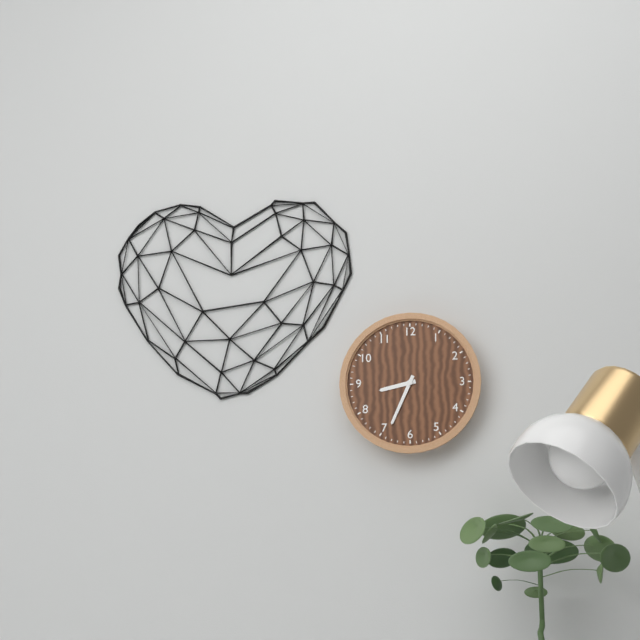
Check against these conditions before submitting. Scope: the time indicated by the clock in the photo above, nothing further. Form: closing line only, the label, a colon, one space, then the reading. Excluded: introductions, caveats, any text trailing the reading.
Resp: 8:34
